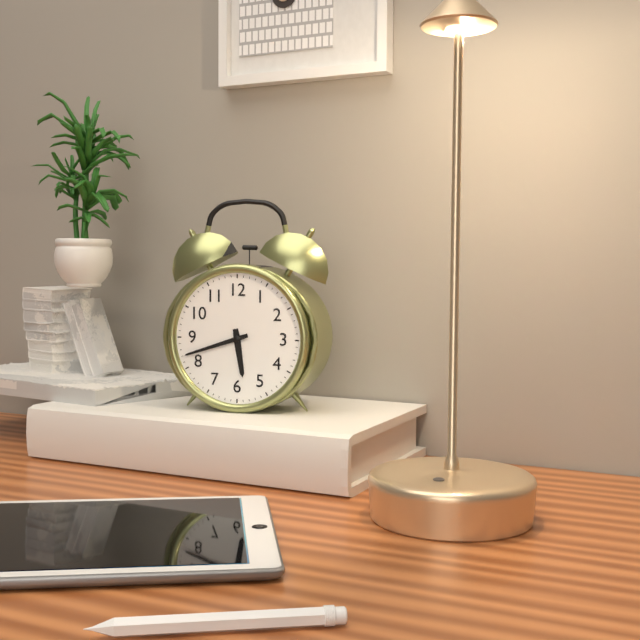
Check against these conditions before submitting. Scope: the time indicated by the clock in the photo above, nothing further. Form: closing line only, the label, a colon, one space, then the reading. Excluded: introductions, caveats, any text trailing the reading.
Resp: 5:42
